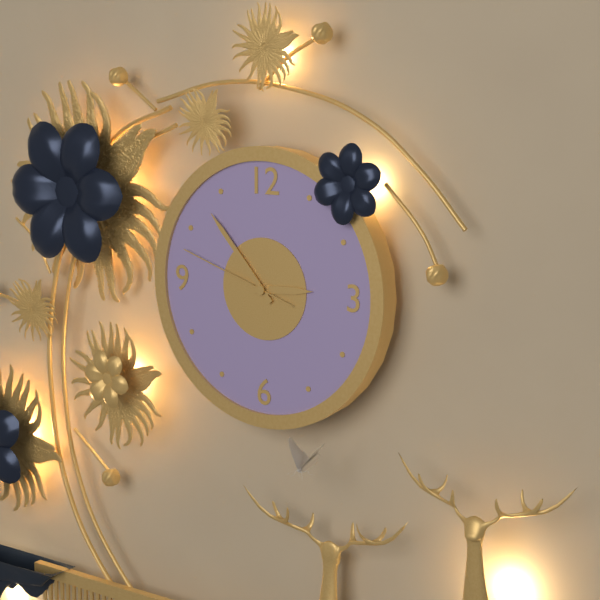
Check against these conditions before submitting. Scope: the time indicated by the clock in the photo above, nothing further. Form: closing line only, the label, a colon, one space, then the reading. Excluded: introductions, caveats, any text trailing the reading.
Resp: 2:53:48
